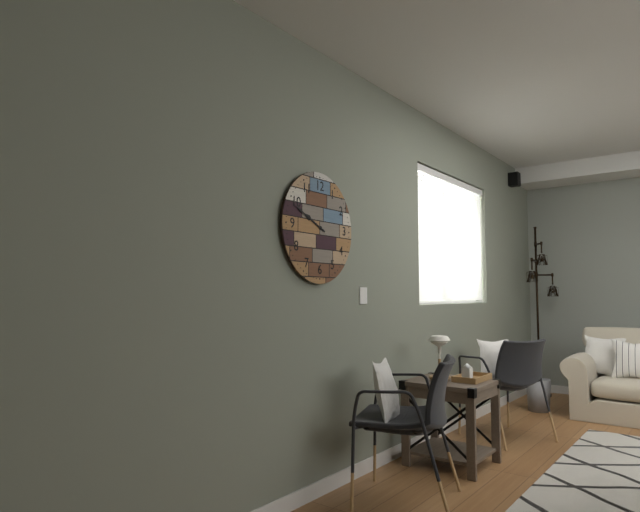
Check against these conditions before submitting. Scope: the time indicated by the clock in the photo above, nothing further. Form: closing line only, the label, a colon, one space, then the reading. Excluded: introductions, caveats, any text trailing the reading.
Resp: 9:49
